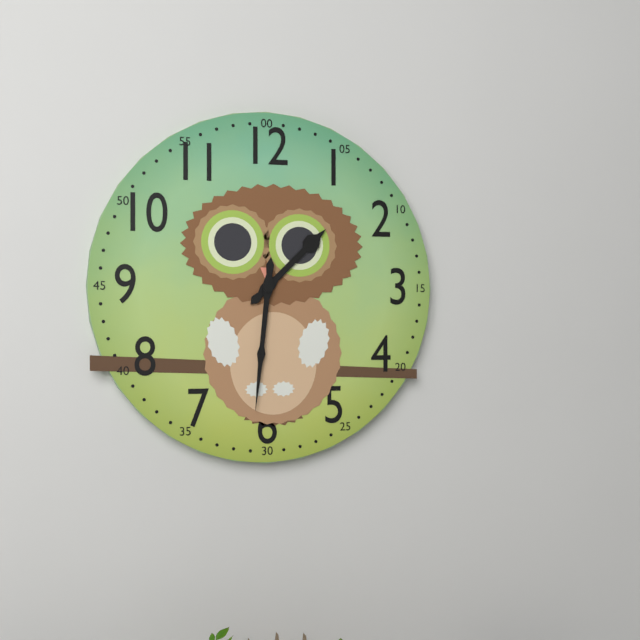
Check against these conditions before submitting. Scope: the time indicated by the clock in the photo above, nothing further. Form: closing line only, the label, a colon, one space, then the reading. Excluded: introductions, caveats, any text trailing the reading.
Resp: 1:31
